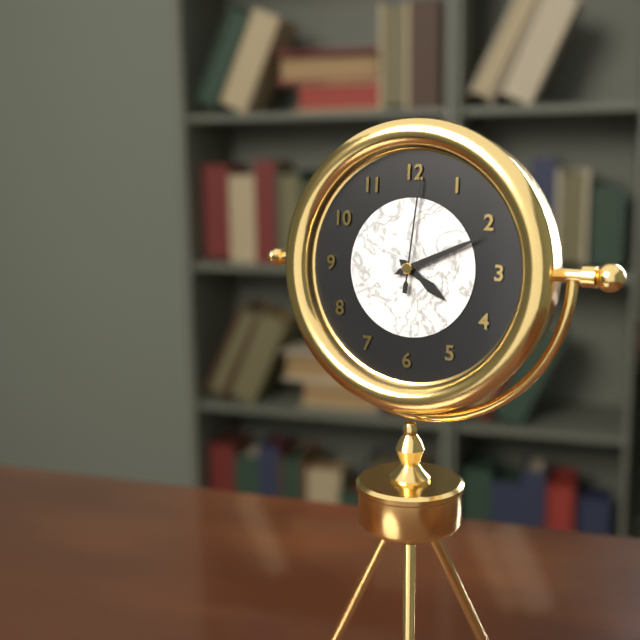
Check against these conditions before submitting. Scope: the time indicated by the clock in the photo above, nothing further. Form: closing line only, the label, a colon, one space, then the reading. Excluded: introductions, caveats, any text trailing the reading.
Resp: 4:11:01
